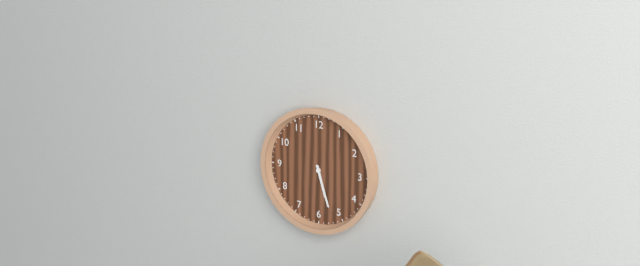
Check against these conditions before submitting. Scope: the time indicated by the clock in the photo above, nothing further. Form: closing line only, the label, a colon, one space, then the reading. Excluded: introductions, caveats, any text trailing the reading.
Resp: 5:27
